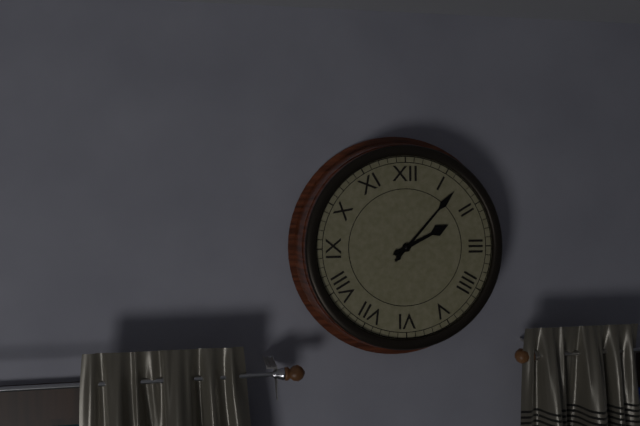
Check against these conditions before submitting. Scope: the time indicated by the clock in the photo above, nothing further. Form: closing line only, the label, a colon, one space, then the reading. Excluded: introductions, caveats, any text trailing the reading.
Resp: 2:07
